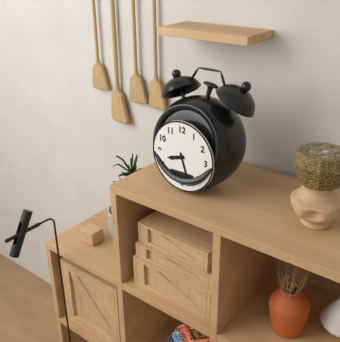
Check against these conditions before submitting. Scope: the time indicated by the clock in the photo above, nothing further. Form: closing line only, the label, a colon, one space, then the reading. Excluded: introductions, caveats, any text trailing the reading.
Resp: 8:27
